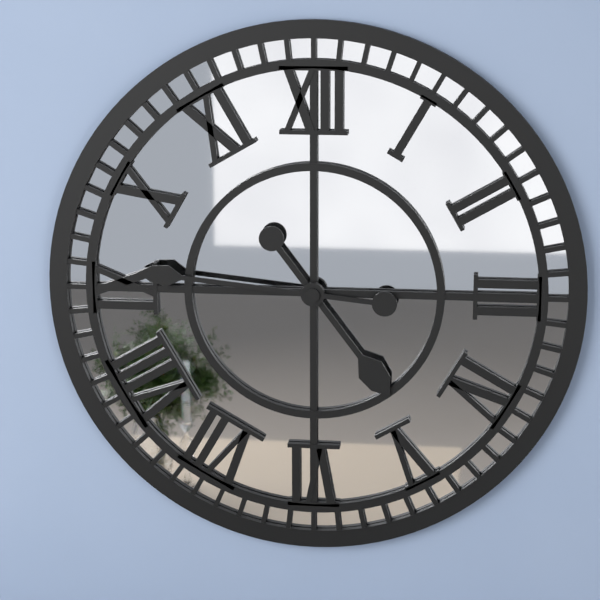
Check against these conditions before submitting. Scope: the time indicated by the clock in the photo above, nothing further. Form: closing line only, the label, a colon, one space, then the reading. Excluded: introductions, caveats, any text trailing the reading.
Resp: 4:46
